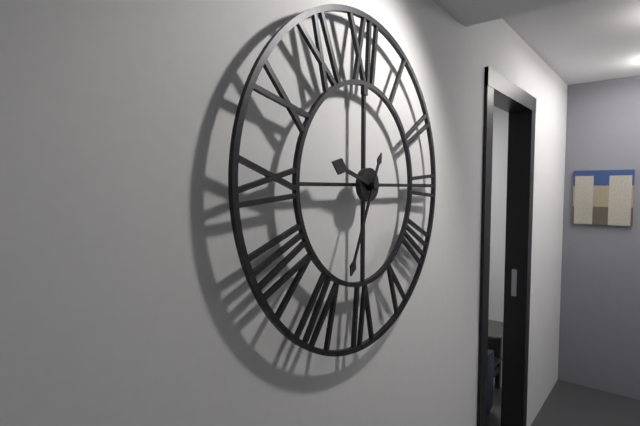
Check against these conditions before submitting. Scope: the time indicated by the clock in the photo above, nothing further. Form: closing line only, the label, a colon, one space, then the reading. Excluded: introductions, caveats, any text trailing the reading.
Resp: 9:34
